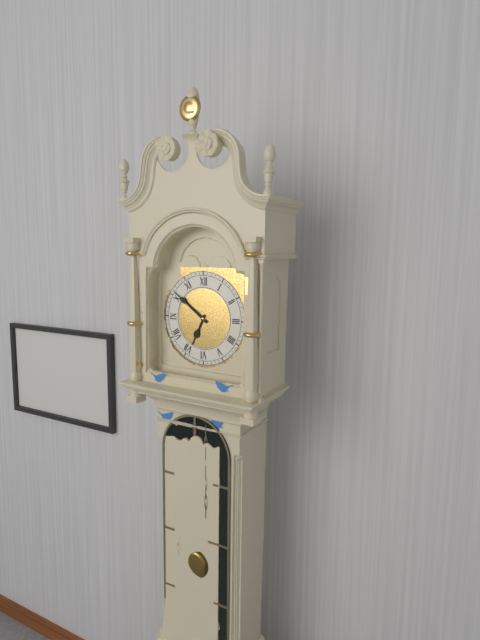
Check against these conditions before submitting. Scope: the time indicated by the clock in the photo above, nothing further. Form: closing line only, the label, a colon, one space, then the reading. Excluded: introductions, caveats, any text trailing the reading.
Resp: 6:51
